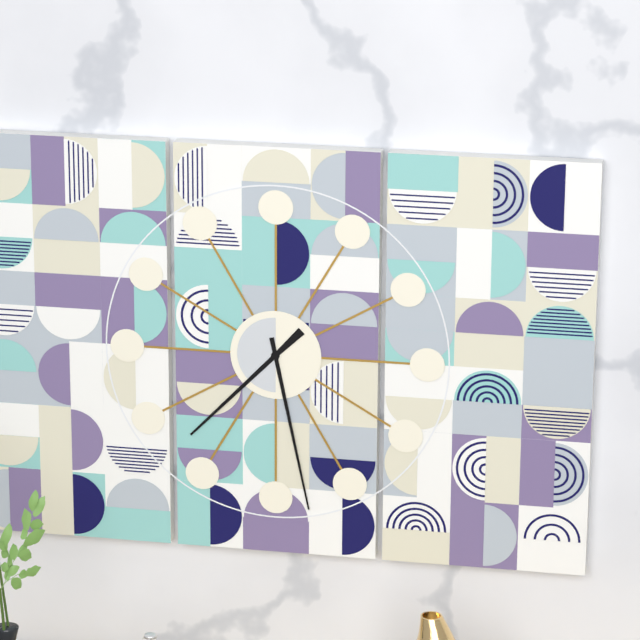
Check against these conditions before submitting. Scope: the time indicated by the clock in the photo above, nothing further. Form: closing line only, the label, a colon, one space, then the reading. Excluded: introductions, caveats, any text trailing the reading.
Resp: 7:28
